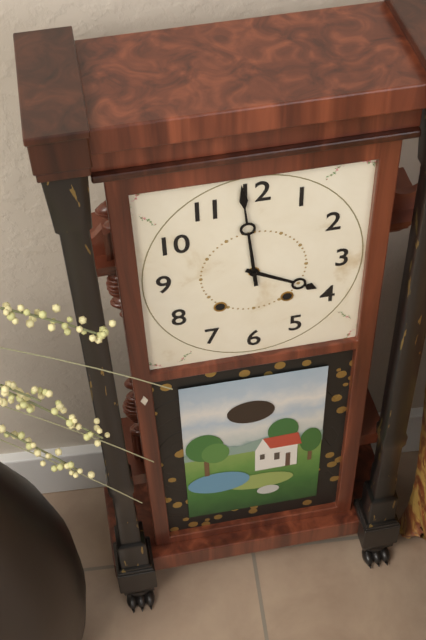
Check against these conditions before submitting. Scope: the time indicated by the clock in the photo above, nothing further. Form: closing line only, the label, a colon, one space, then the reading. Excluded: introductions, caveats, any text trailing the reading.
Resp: 3:59
